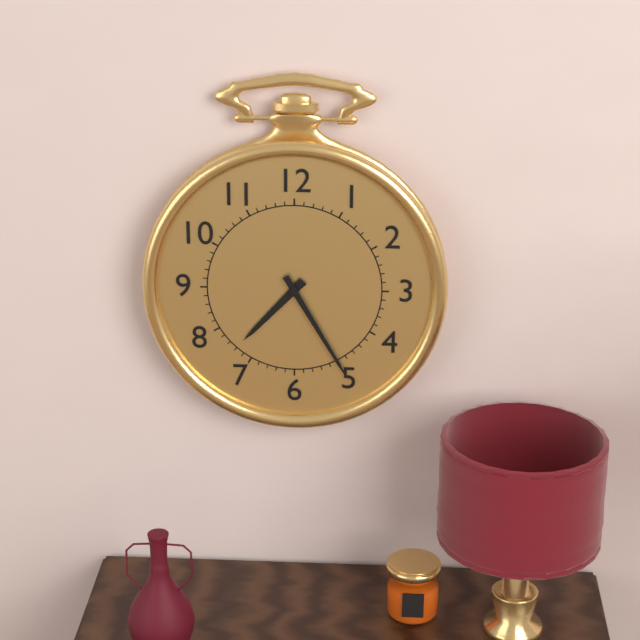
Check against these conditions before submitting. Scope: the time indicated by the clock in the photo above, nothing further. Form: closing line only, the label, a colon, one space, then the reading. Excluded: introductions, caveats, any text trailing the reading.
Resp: 7:25
